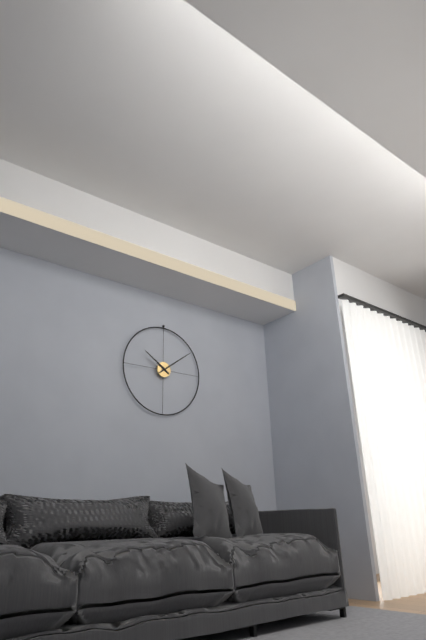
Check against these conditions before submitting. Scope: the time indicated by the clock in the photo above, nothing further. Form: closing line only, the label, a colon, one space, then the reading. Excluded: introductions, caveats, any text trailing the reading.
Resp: 10:09
